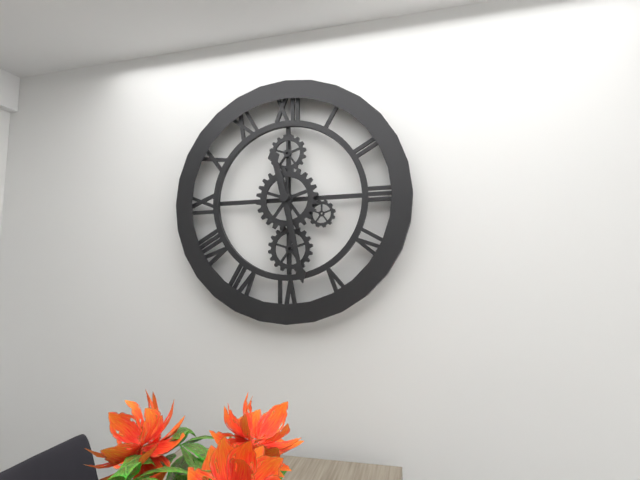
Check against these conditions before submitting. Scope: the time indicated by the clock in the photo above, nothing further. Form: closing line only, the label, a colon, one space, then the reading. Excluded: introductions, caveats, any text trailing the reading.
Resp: 11:28
